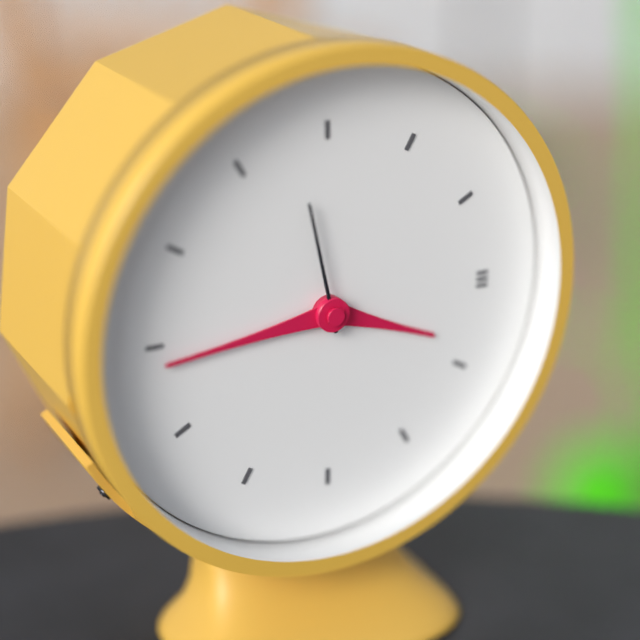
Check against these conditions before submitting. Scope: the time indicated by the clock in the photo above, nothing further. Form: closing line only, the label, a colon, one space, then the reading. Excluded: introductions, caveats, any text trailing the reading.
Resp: 3:44:58
